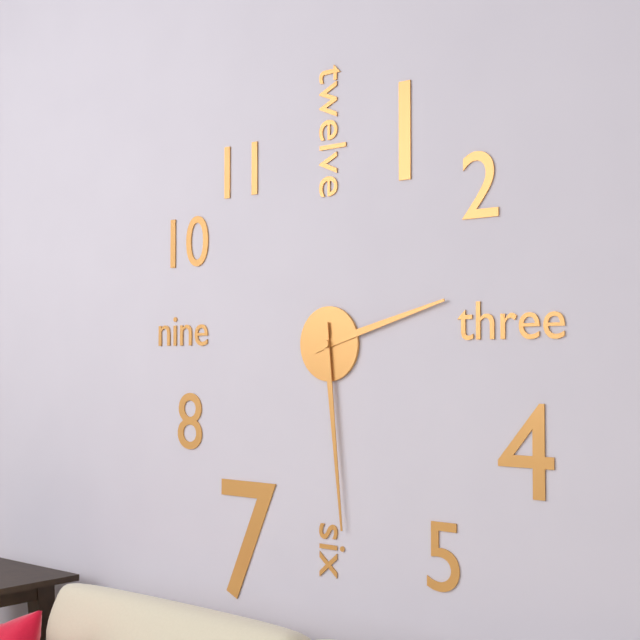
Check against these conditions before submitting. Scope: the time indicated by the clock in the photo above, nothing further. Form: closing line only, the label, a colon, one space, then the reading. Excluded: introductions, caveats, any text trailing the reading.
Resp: 2:29
